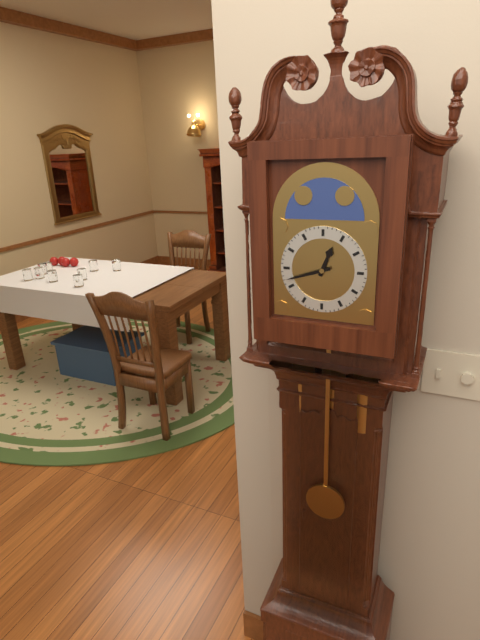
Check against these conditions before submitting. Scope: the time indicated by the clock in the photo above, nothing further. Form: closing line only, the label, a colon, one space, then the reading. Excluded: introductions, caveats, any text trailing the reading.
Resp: 12:42
